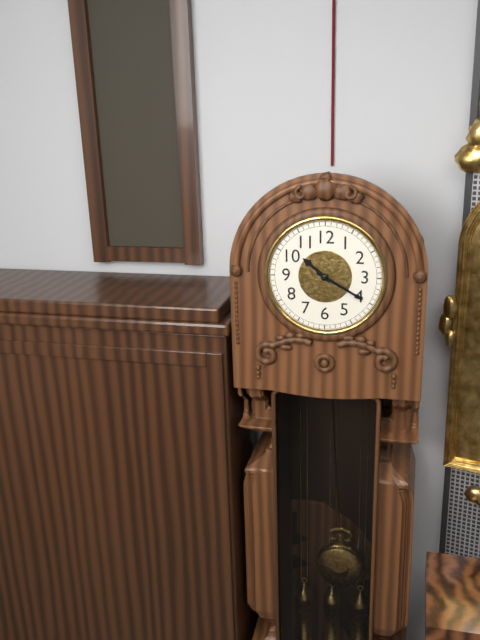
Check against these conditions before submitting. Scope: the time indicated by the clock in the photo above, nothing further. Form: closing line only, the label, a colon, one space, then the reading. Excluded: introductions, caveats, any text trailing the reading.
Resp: 10:20
